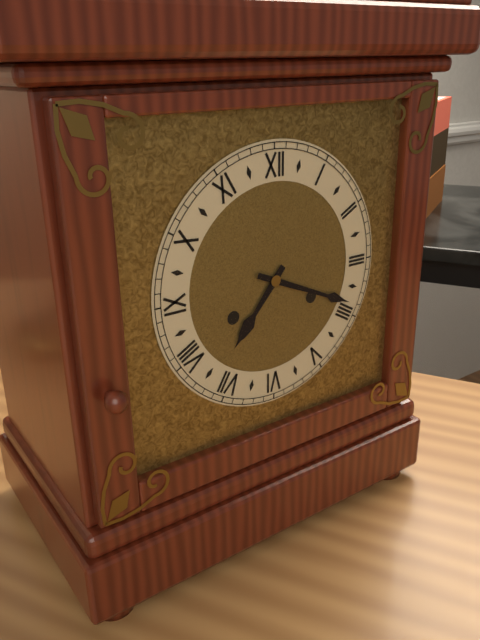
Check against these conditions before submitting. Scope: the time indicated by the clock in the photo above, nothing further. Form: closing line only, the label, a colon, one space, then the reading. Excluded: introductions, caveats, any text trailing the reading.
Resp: 7:19
